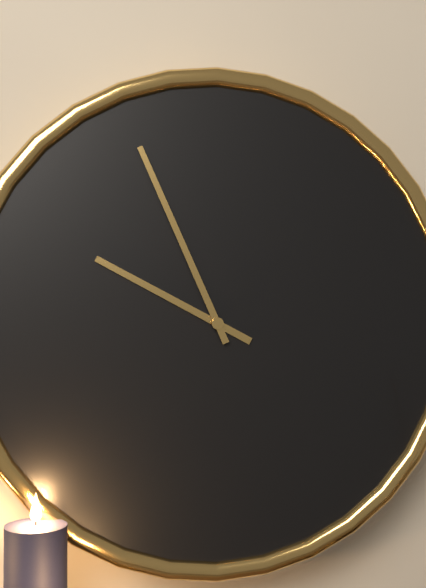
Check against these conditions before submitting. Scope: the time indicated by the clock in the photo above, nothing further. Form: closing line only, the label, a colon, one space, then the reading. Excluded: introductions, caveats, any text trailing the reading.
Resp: 9:56
